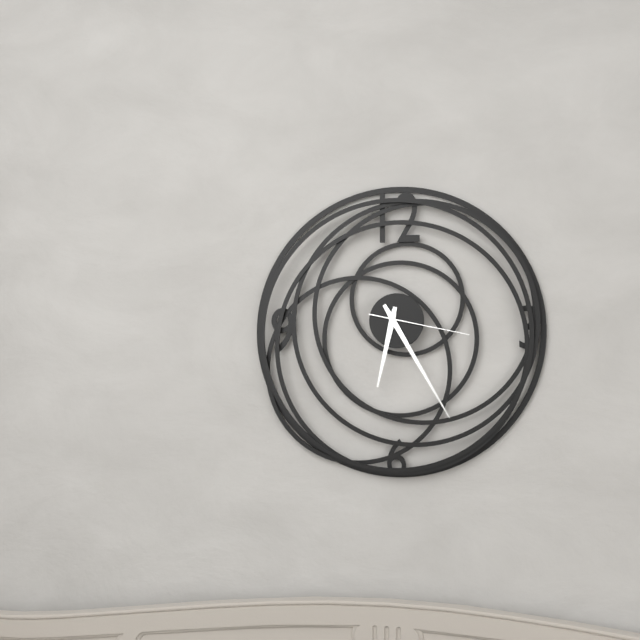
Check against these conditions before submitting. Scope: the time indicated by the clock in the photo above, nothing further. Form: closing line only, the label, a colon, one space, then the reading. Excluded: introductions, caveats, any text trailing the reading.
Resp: 6:25:17
